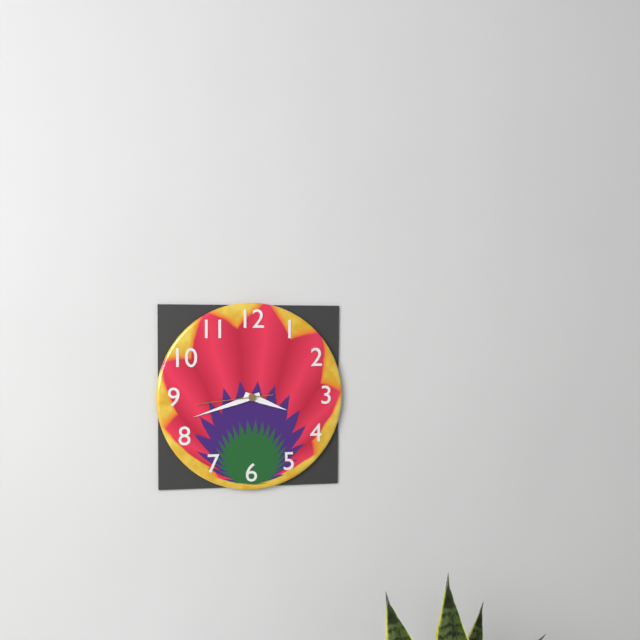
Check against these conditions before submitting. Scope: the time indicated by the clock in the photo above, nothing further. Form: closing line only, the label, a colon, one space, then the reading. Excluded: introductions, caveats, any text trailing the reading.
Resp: 3:42:44
